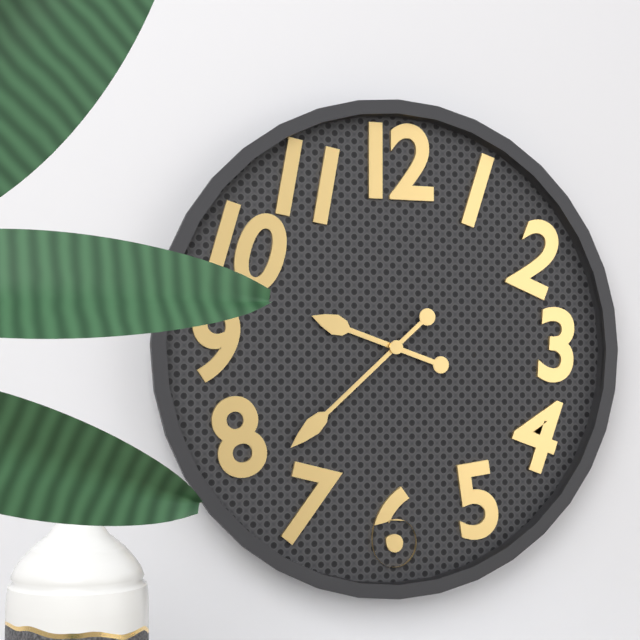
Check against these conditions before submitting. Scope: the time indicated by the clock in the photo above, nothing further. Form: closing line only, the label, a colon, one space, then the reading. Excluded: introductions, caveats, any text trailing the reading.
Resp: 9:38
